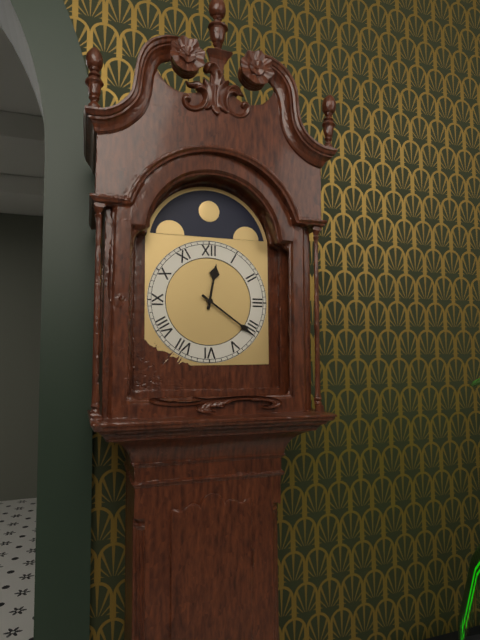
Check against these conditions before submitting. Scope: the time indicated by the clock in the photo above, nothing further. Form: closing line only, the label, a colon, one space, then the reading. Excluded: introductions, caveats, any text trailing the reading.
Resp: 12:21
